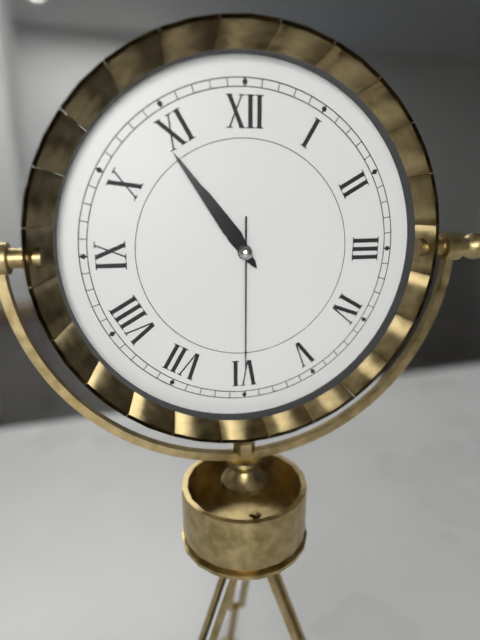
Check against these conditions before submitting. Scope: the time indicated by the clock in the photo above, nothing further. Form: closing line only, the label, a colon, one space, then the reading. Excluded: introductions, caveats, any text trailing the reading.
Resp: 10:54:30
